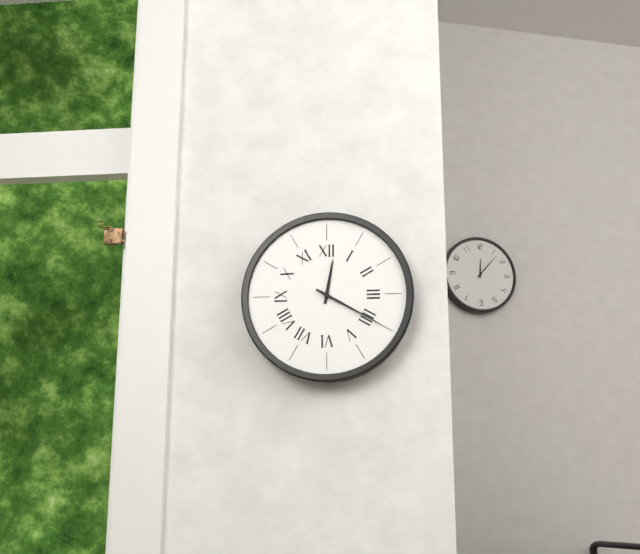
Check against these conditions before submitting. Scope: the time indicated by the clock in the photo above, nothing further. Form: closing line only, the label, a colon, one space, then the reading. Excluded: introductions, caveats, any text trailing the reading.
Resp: 12:20
